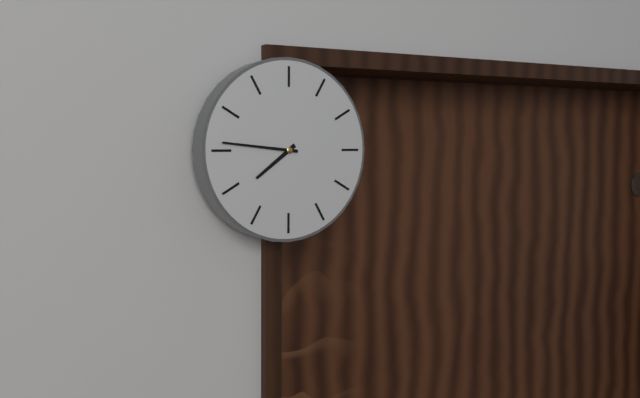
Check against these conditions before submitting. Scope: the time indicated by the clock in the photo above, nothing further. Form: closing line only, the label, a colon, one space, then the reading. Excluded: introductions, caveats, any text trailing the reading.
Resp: 7:46
